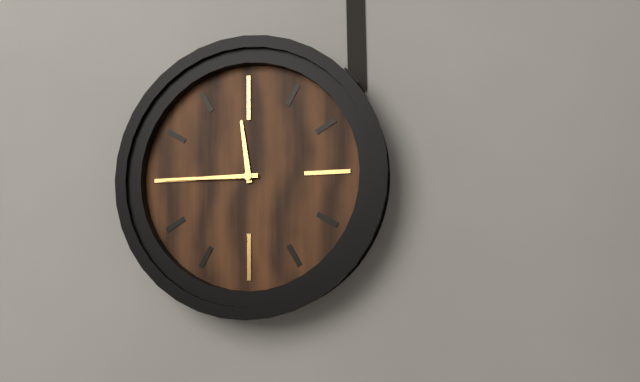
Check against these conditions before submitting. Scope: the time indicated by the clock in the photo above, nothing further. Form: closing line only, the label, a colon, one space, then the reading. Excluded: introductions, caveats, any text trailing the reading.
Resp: 11:45
